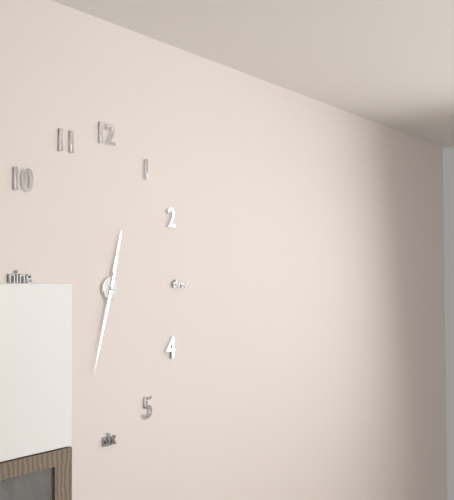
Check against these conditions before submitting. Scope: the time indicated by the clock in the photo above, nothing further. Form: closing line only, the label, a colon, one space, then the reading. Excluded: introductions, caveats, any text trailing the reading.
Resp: 12:33
